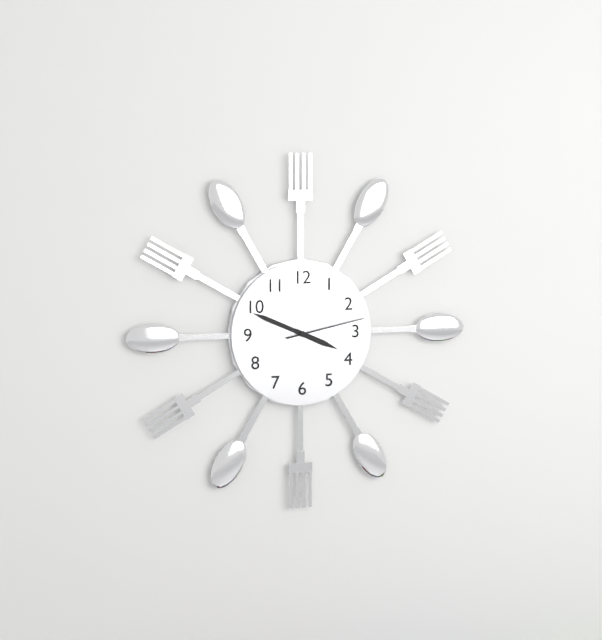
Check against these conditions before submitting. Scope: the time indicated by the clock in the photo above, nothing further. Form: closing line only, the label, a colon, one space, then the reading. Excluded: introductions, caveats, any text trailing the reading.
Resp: 3:49:13
